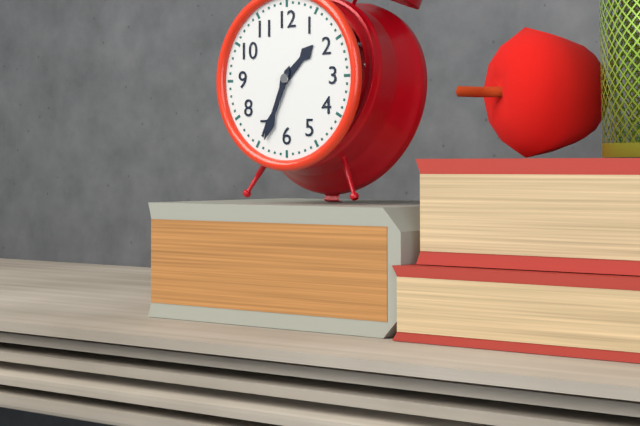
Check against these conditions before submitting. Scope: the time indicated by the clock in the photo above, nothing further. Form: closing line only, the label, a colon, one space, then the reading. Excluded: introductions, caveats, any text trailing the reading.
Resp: 1:34
